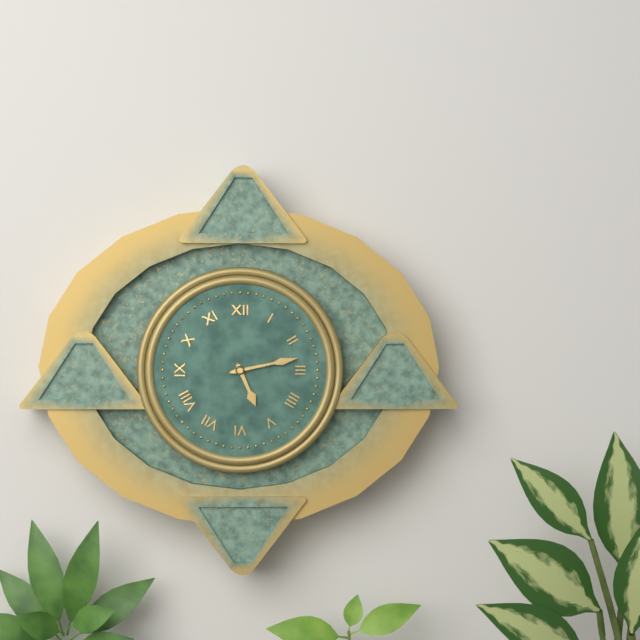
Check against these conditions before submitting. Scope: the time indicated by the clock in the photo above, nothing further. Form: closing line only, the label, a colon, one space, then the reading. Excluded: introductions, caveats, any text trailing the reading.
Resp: 5:13
